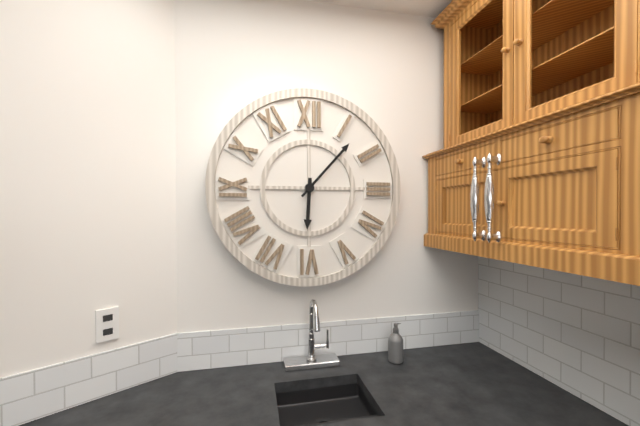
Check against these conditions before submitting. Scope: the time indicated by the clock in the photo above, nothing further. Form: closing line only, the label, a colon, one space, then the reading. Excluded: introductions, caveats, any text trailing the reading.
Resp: 6:07
